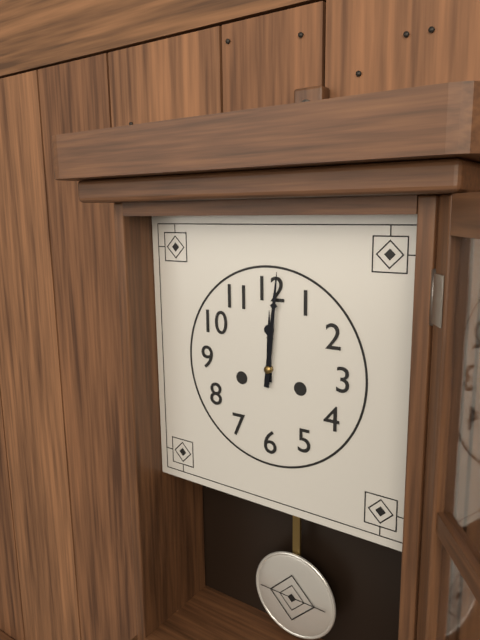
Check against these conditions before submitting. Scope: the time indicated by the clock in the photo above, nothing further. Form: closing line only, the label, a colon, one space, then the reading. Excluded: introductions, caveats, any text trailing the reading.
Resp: 12:01
